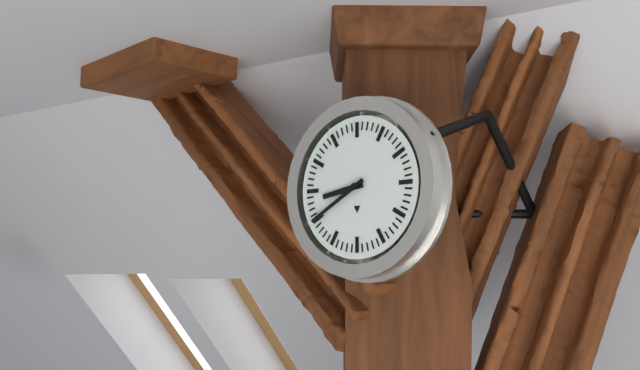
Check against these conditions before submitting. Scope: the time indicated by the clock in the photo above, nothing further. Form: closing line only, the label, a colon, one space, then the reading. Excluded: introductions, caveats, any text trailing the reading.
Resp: 8:40
